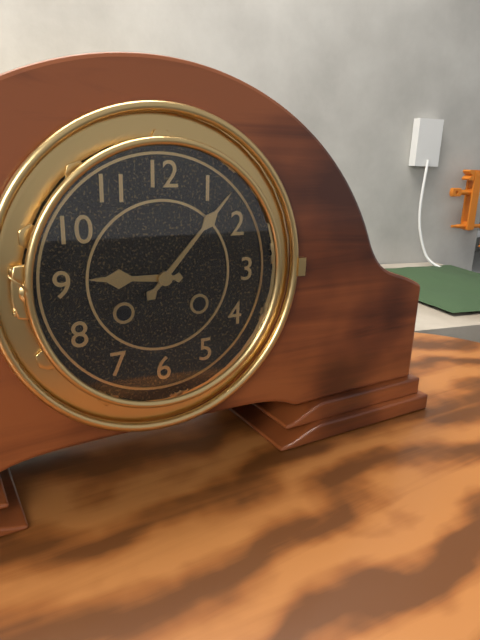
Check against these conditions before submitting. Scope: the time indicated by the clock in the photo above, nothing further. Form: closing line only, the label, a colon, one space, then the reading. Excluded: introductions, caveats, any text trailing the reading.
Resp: 9:07
